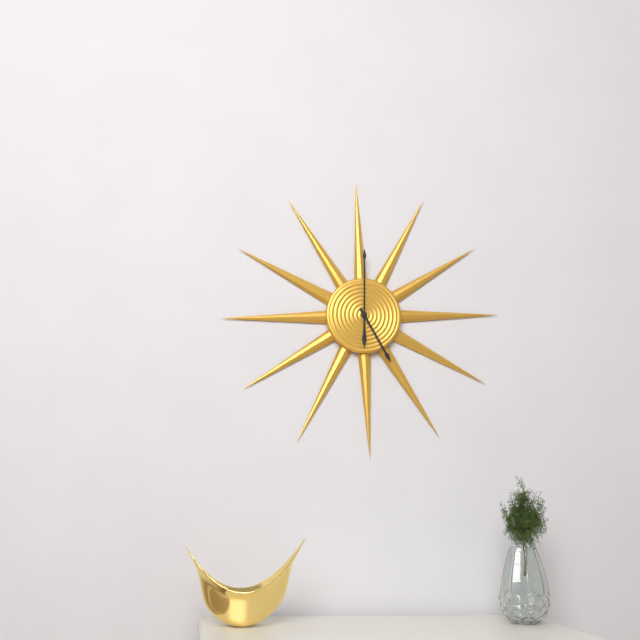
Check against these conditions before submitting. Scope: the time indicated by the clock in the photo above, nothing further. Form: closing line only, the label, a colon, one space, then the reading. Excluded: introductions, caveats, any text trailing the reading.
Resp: 5:00
